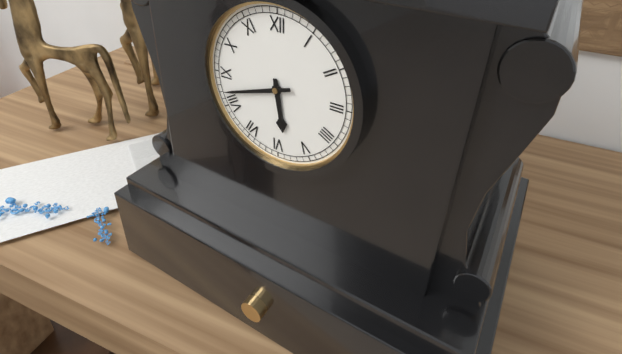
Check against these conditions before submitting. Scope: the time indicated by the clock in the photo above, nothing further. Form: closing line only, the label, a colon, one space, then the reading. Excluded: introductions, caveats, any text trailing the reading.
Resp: 5:42
